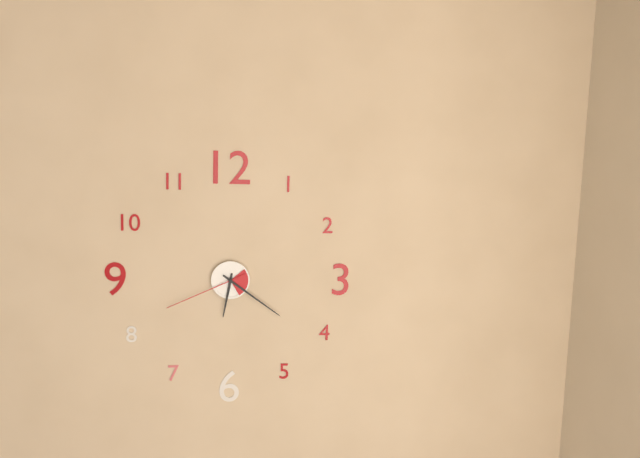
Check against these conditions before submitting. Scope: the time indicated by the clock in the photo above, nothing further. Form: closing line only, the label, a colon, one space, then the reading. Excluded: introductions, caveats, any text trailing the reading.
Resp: 6:21:41
